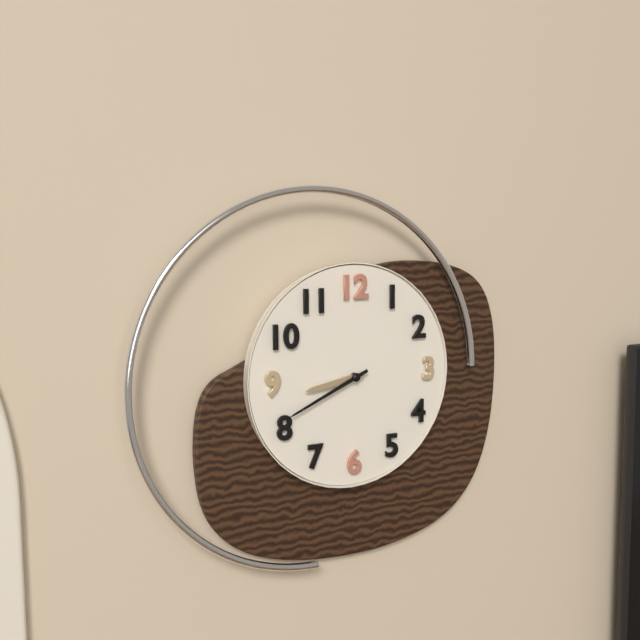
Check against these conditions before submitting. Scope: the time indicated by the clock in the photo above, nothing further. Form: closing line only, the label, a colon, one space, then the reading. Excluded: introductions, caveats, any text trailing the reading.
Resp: 8:41
